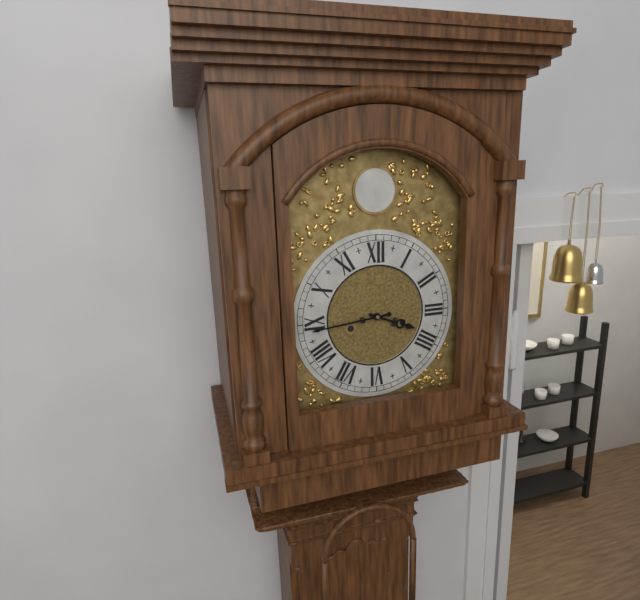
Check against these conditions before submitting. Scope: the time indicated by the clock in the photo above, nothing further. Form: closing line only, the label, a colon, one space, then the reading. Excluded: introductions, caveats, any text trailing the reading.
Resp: 3:44
